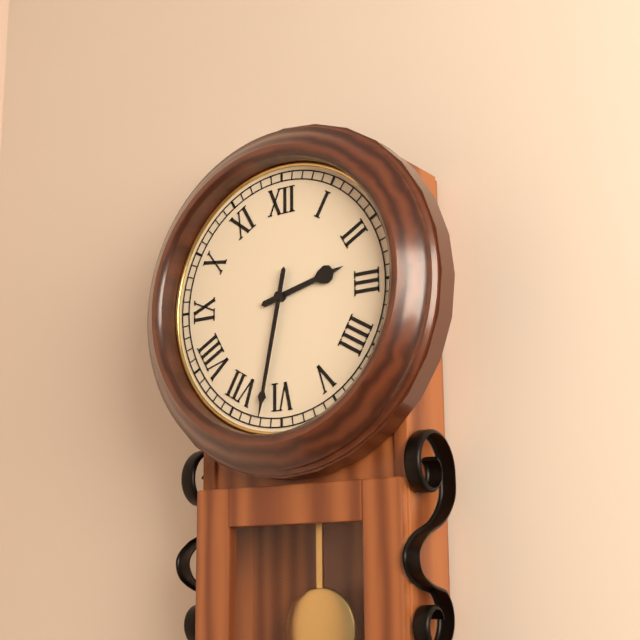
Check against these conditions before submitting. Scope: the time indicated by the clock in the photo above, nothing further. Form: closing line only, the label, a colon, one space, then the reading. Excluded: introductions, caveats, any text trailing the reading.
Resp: 2:32
